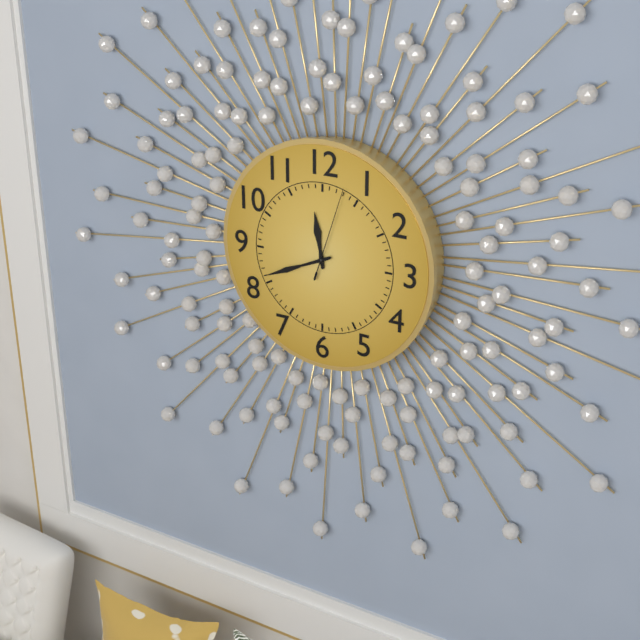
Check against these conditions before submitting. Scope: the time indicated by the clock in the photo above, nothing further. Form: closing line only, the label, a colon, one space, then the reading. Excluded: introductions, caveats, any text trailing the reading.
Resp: 11:41:03
